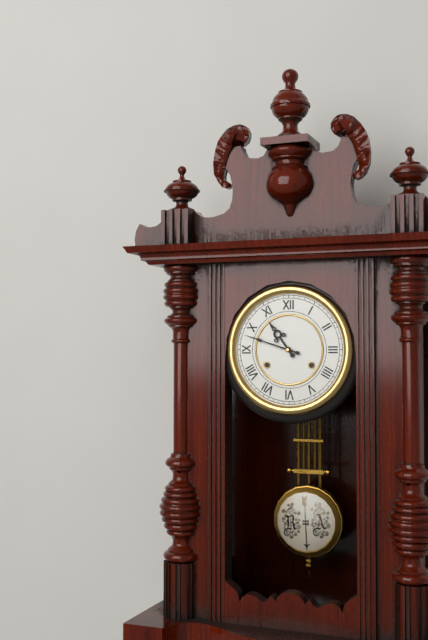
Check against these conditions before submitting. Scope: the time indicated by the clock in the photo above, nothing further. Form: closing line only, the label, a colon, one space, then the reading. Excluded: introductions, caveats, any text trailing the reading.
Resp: 10:48
